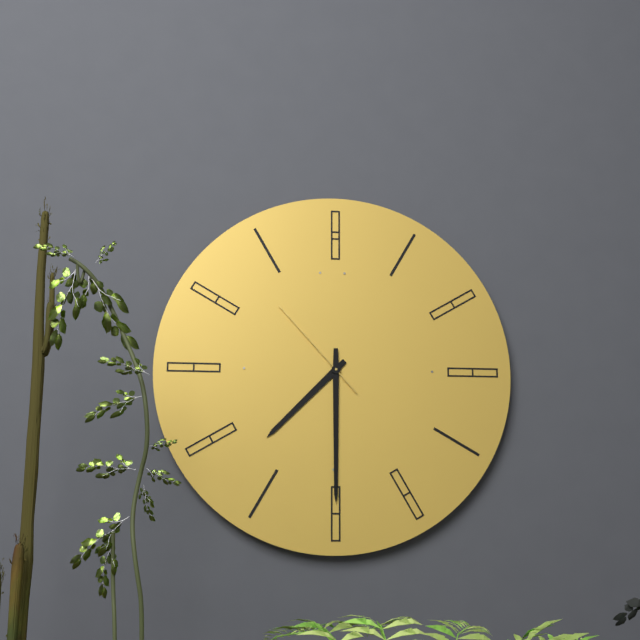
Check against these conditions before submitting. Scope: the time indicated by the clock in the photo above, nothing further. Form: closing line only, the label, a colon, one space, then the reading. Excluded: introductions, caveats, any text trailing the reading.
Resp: 7:30:53
